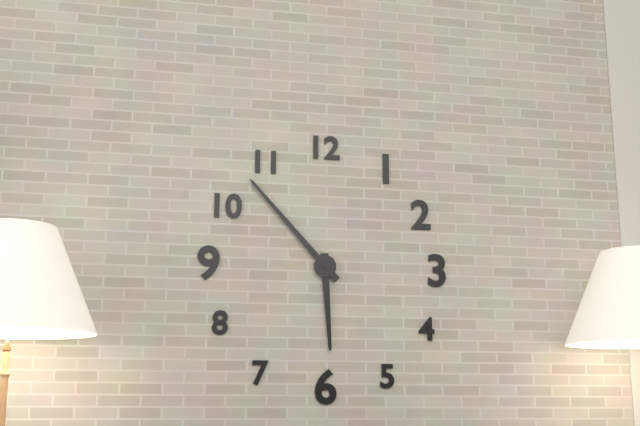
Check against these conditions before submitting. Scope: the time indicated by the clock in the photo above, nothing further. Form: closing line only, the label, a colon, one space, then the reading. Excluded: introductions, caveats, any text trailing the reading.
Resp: 5:53
